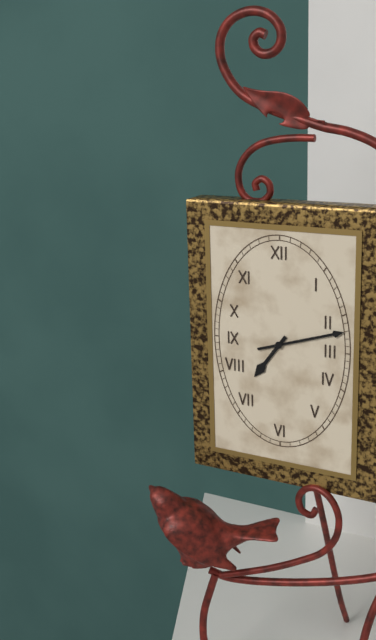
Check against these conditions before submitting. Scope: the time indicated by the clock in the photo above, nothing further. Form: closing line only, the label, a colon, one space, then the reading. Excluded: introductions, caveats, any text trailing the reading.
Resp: 7:12
